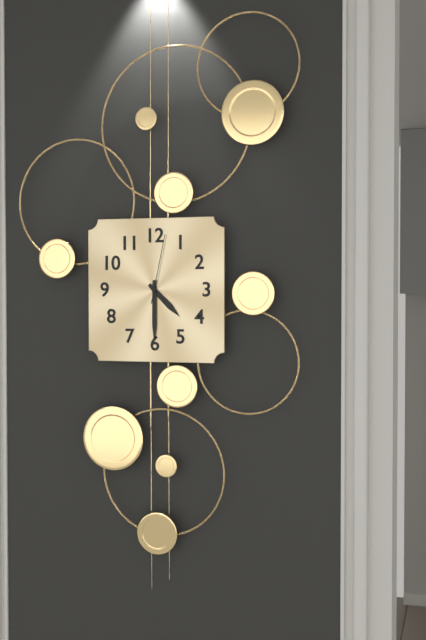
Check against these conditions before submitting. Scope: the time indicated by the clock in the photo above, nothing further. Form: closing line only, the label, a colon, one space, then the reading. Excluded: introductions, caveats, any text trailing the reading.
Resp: 4:30:02
